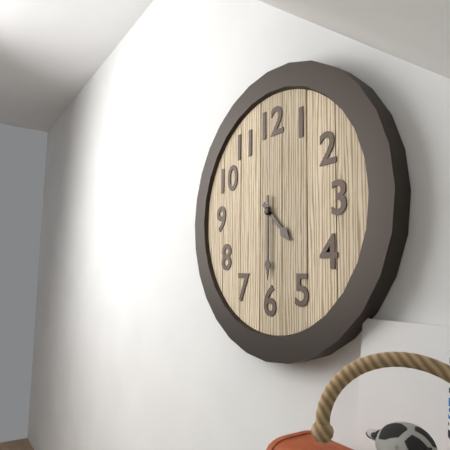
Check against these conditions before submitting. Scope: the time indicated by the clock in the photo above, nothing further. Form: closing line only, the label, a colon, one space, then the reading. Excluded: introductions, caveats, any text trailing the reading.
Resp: 4:30
